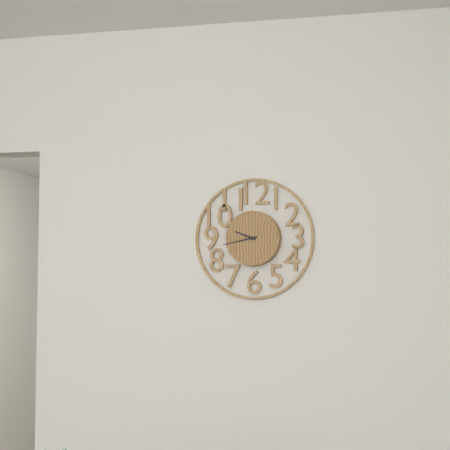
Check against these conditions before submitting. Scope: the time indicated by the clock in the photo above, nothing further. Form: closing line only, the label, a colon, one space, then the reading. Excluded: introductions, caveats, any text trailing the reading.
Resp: 9:43
